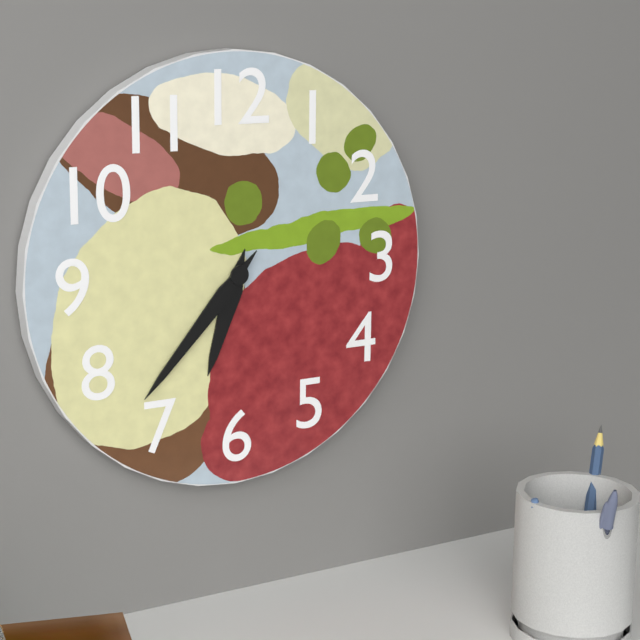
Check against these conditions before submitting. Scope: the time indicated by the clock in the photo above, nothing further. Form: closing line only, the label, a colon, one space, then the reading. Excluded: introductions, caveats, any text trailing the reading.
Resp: 6:37
